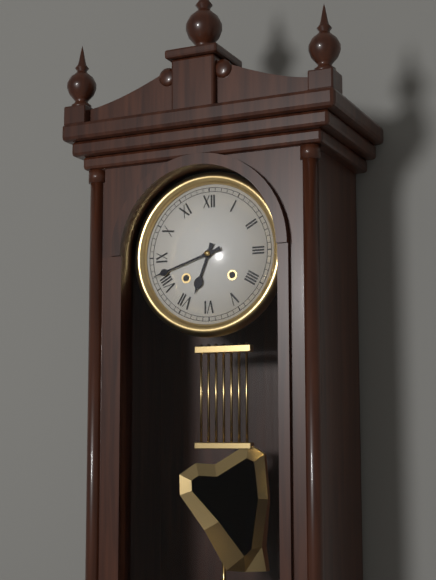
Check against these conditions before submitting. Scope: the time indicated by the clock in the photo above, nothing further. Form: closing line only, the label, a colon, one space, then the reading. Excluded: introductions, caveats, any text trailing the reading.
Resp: 6:42
